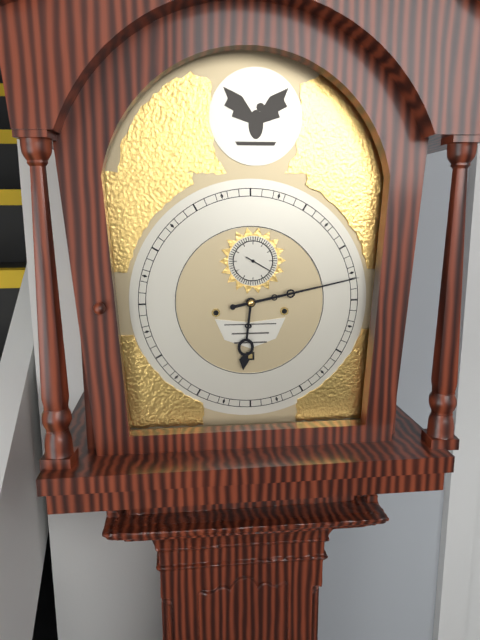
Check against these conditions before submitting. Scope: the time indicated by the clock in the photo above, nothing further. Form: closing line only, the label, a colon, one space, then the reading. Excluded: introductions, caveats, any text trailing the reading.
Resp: 6:13
